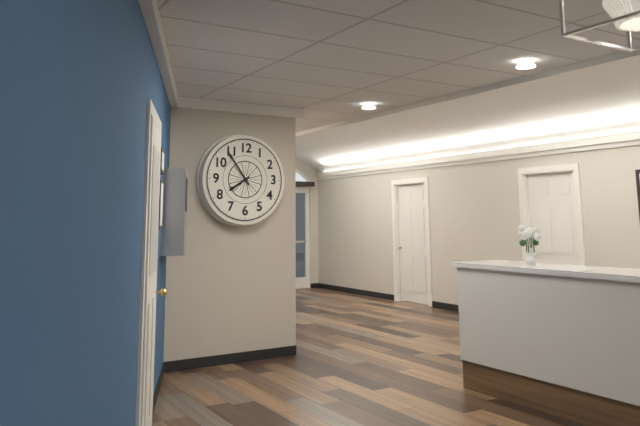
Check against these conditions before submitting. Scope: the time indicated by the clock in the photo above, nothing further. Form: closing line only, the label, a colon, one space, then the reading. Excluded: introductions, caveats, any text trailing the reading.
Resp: 7:54
